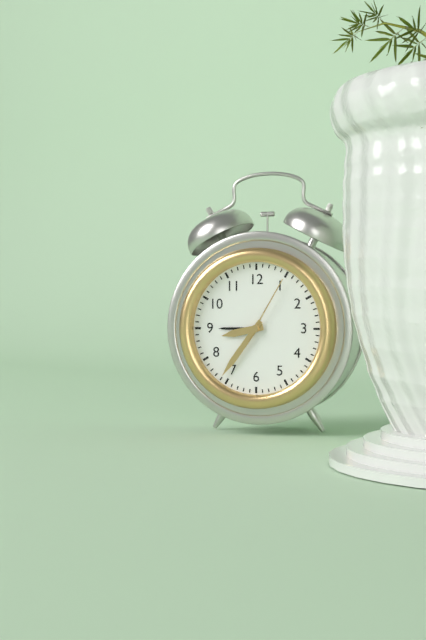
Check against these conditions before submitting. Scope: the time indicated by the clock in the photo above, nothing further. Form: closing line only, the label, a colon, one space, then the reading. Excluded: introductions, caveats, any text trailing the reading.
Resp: 8:36:05
